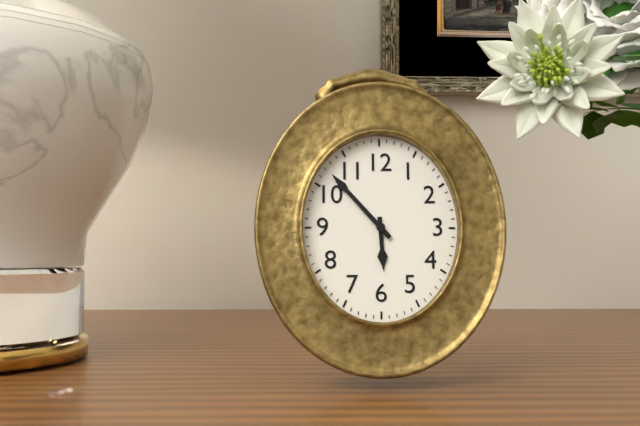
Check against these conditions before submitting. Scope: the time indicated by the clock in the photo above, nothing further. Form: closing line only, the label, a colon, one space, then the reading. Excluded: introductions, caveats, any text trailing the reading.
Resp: 5:53
